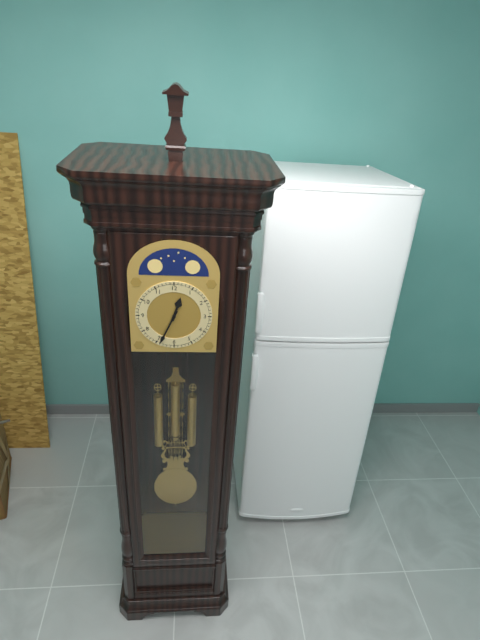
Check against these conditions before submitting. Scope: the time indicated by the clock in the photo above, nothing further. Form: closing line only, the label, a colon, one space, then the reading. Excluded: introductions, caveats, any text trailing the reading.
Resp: 12:34
